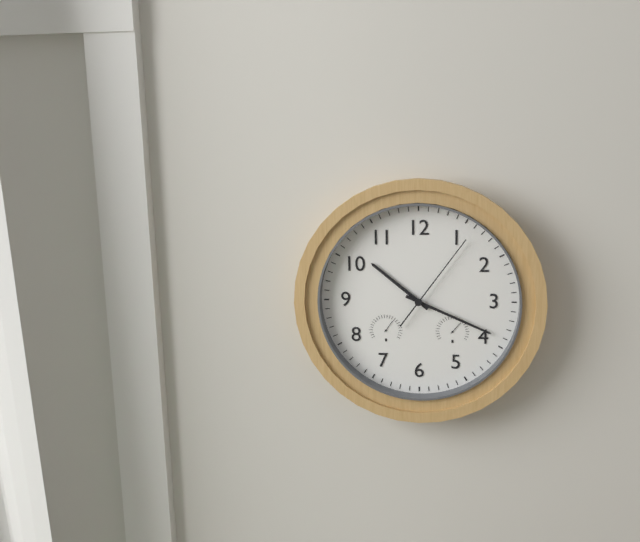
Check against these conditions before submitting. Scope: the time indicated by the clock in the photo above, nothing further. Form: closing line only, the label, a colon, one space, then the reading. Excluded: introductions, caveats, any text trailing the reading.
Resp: 10:19:06
